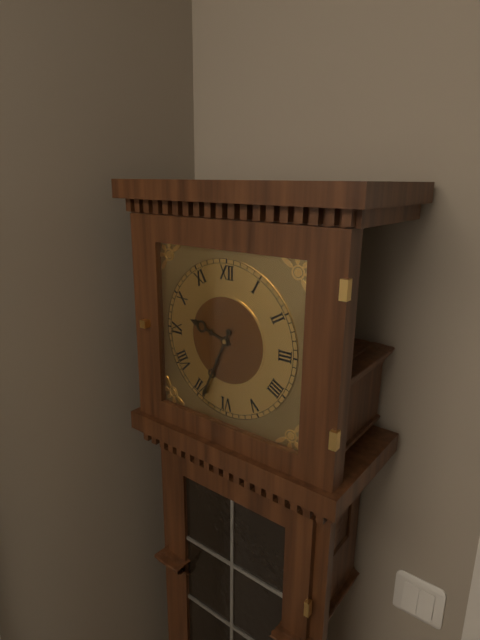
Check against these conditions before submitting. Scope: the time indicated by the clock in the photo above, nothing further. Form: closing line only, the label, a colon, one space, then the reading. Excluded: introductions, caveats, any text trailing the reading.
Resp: 9:34
